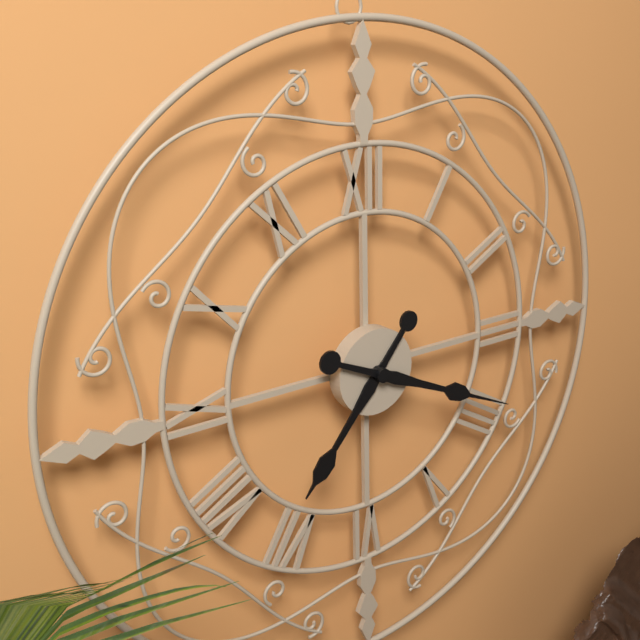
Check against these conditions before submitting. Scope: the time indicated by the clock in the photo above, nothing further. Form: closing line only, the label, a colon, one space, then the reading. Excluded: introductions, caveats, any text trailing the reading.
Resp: 7:19
